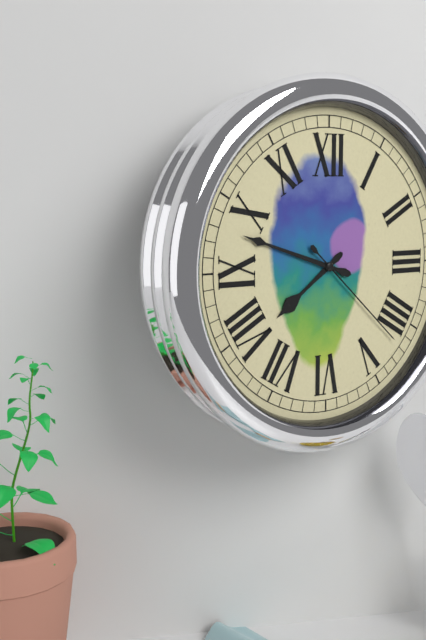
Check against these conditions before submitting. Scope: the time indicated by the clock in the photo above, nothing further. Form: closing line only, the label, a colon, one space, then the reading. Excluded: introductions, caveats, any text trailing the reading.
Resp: 7:48:22
